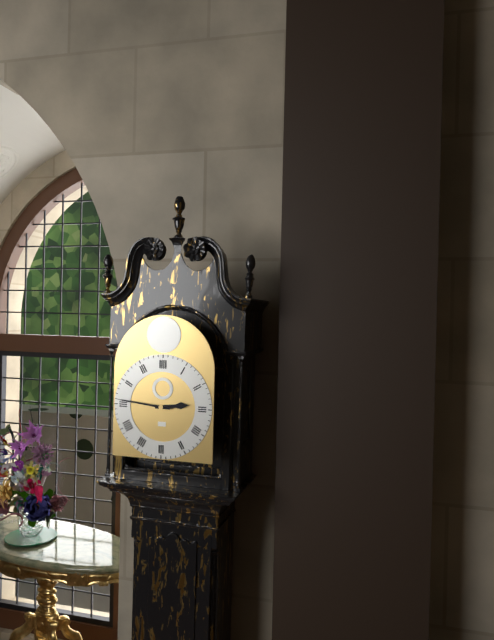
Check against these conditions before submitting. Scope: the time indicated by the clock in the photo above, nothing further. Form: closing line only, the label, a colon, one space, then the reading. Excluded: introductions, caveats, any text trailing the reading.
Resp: 2:46
